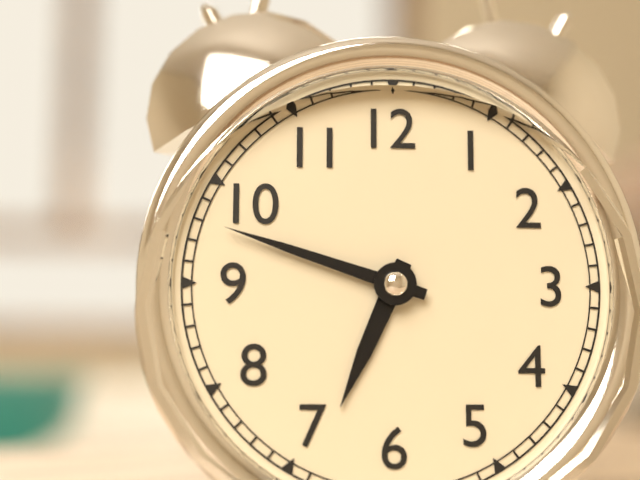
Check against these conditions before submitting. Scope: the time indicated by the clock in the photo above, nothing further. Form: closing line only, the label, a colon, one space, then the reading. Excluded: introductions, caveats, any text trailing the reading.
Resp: 6:48
